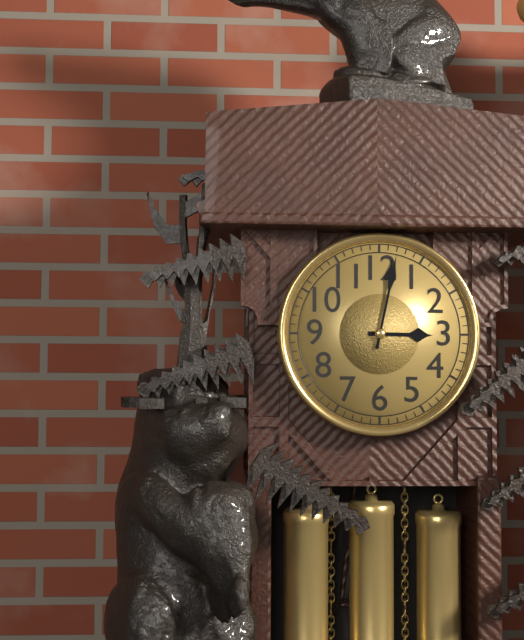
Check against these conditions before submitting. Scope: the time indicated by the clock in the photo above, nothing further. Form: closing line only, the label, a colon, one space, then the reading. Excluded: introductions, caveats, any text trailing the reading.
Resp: 3:02
